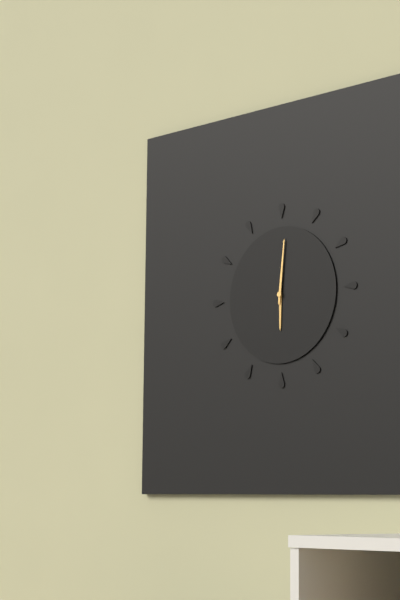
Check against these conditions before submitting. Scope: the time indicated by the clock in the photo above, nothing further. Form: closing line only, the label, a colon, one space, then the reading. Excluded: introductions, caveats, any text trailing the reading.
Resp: 6:01
